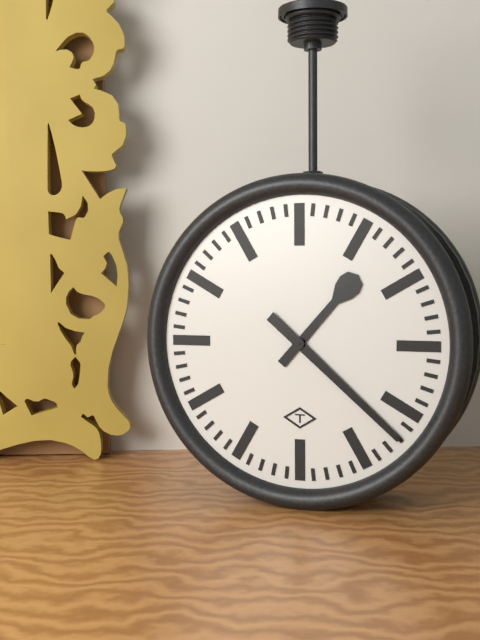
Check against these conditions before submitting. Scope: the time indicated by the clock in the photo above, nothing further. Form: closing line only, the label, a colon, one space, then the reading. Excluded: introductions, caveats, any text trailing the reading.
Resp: 1:22
